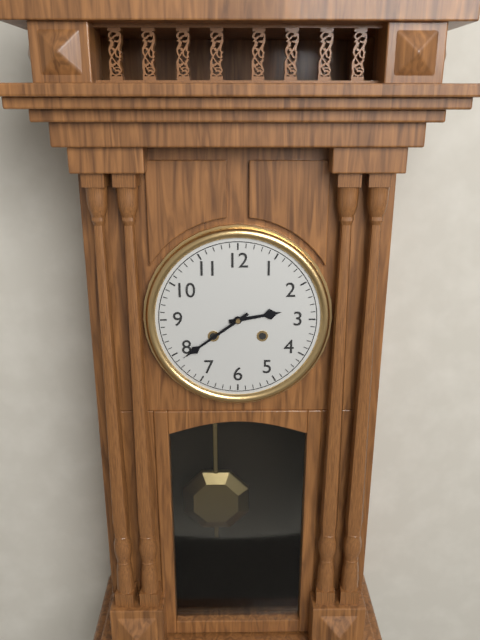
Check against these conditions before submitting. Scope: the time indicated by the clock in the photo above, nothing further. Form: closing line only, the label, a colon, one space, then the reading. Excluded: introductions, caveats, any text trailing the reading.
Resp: 2:39
